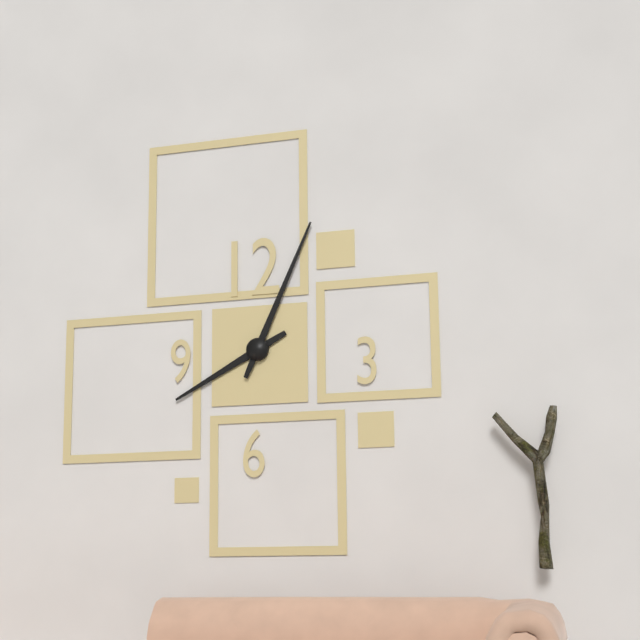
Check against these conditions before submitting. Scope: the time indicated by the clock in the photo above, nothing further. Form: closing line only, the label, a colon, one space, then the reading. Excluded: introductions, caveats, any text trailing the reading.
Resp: 8:04
